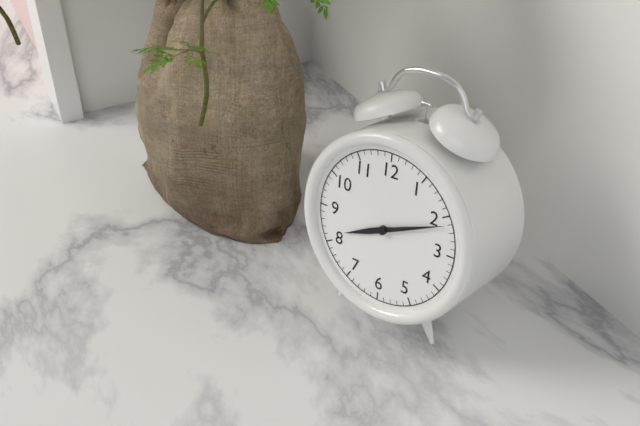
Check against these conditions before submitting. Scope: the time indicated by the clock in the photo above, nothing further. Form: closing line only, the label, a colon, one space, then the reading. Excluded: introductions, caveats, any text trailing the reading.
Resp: 8:11
